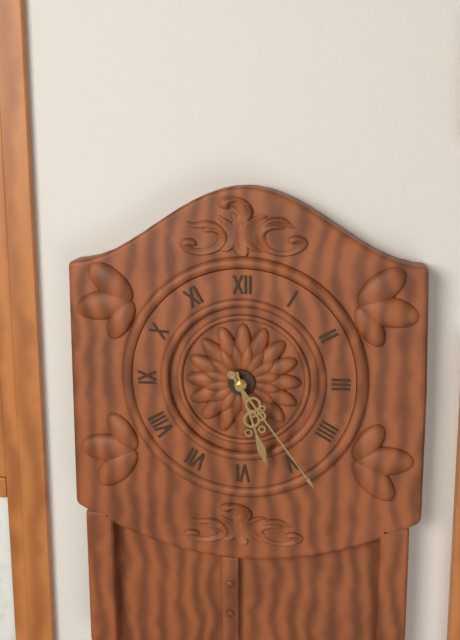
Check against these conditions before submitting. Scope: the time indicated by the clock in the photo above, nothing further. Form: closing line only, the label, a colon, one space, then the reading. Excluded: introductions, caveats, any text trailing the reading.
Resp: 5:24
